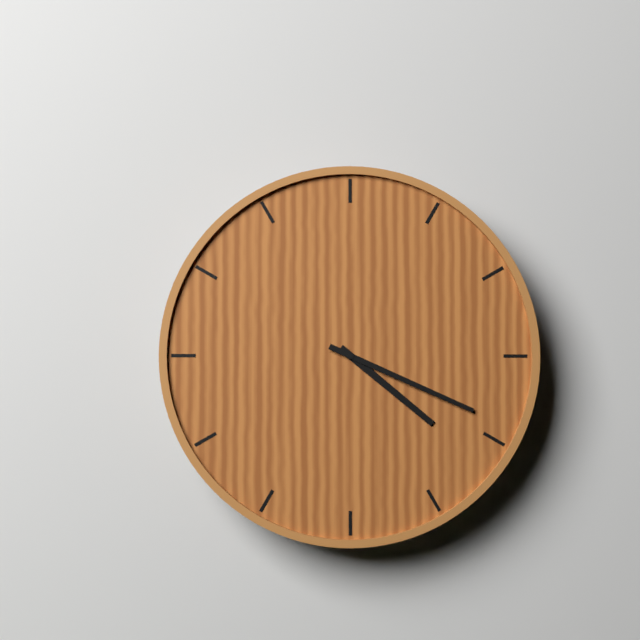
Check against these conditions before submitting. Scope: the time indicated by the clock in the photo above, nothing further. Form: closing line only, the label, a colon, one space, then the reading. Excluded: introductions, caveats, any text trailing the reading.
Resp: 4:19
